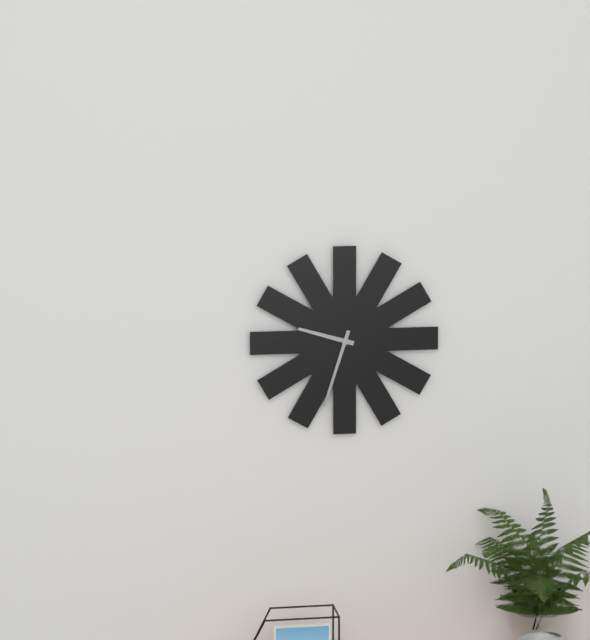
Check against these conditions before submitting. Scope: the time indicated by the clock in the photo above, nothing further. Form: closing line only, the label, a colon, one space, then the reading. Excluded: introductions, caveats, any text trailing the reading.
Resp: 9:33
